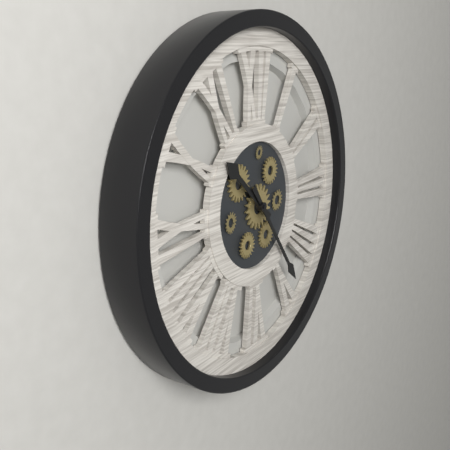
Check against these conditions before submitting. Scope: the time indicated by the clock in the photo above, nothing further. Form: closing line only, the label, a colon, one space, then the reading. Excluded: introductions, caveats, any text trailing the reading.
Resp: 10:24
